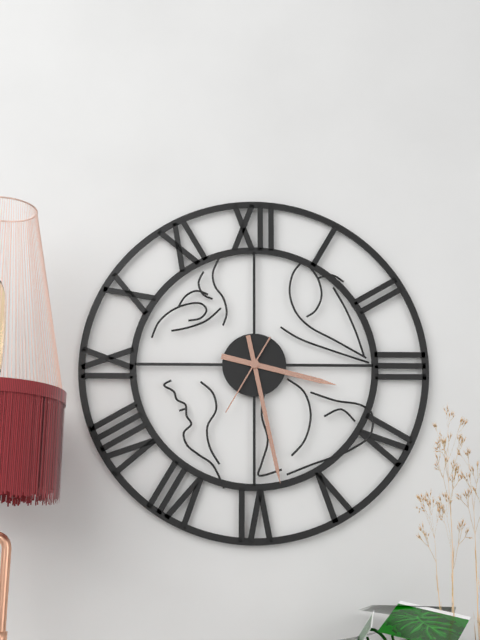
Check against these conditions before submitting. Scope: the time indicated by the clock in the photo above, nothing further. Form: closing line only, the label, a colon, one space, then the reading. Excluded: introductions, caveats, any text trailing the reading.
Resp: 3:28:35
